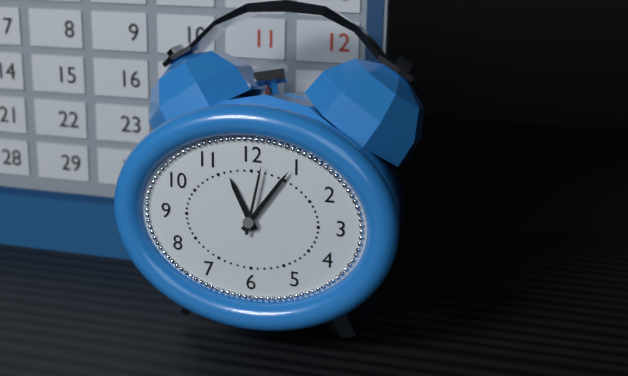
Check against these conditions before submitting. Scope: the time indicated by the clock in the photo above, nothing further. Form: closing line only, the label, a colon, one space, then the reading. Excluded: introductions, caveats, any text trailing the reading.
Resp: 11:06:02
